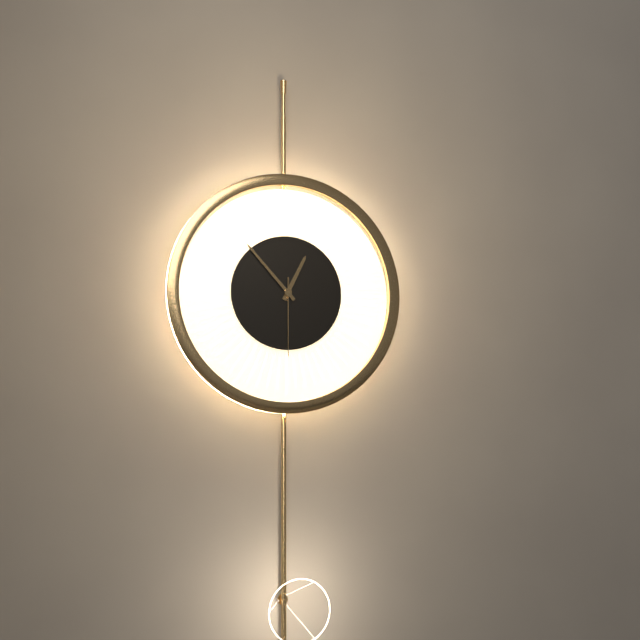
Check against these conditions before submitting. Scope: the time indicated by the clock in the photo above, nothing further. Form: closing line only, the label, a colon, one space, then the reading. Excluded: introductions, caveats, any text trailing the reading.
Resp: 12:53:30
